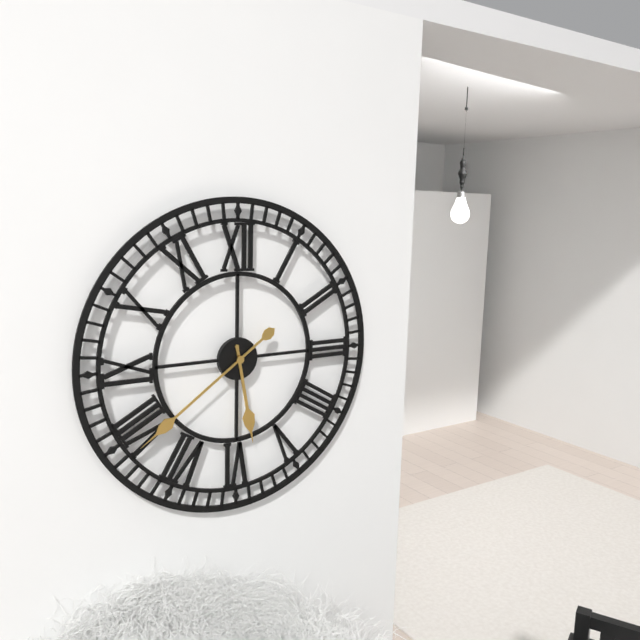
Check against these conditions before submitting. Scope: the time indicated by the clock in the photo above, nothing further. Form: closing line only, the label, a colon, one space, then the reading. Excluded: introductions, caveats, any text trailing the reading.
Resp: 5:39
